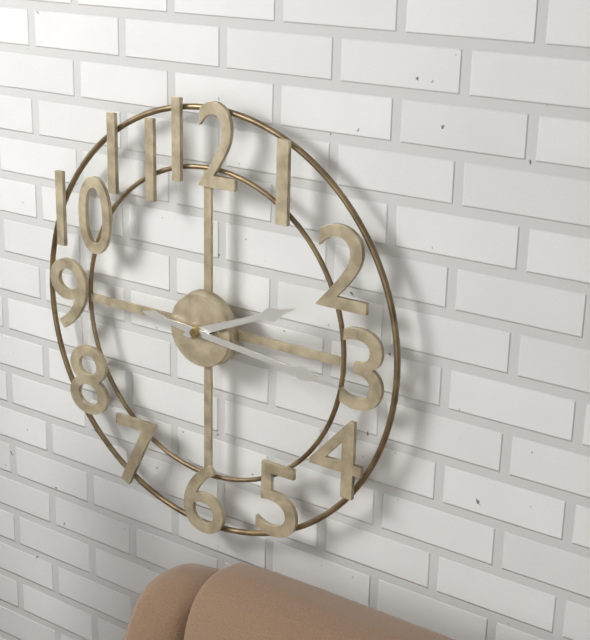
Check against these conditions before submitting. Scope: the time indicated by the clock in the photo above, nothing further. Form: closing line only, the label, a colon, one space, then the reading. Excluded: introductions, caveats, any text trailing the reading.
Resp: 2:16
